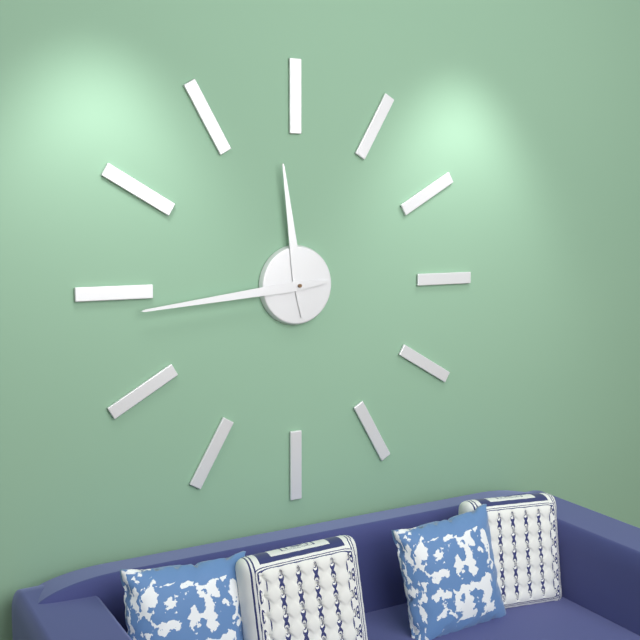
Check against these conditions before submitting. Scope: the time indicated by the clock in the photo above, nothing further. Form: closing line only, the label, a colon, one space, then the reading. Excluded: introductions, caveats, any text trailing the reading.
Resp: 11:44
